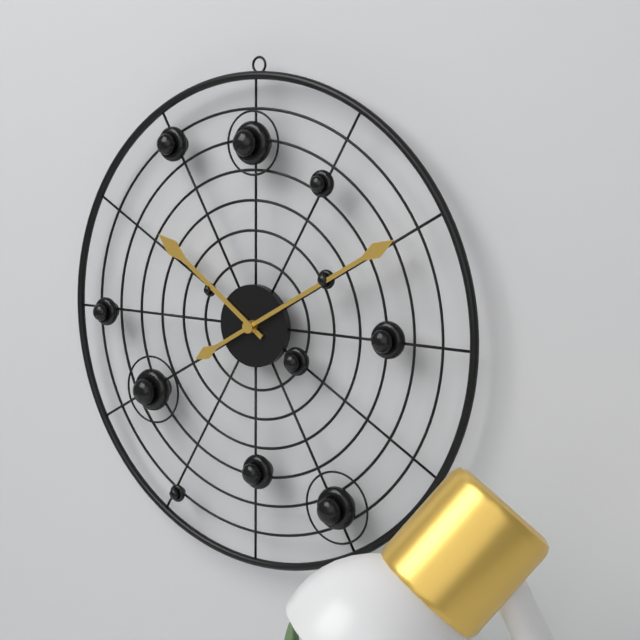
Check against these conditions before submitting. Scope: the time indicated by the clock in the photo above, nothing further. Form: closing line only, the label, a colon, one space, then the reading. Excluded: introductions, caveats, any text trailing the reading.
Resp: 10:10
